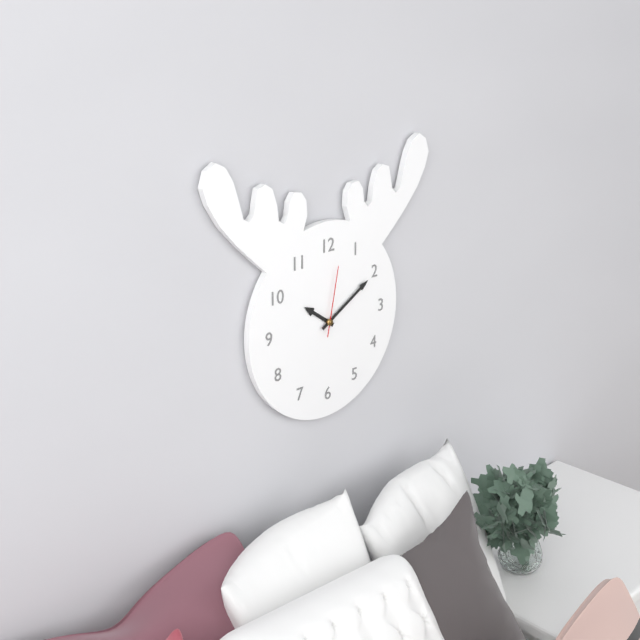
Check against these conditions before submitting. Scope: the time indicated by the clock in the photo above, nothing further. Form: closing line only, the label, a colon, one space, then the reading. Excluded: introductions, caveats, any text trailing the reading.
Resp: 10:10:02
